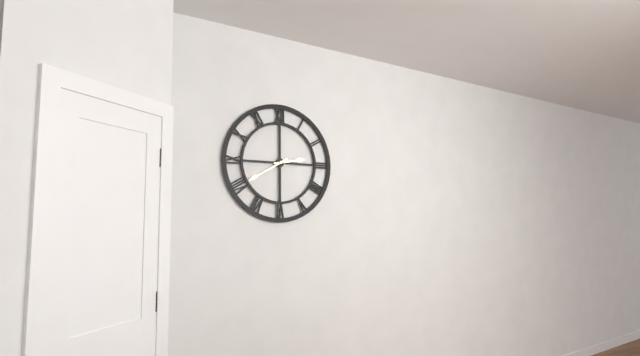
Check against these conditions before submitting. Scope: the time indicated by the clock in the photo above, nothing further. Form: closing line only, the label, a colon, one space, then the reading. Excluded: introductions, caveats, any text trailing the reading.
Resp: 2:40
